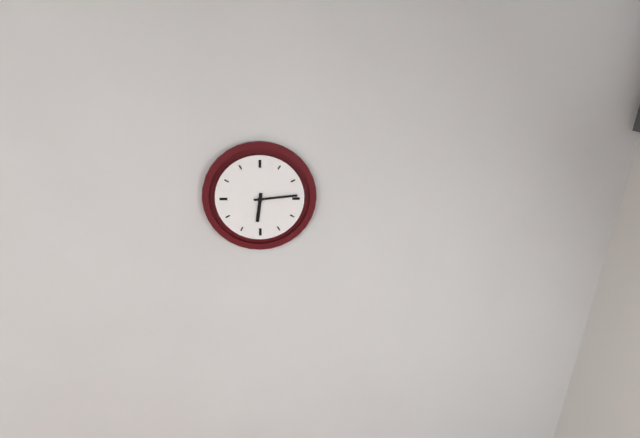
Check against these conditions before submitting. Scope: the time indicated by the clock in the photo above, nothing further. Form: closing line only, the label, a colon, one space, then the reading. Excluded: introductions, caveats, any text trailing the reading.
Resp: 6:14
